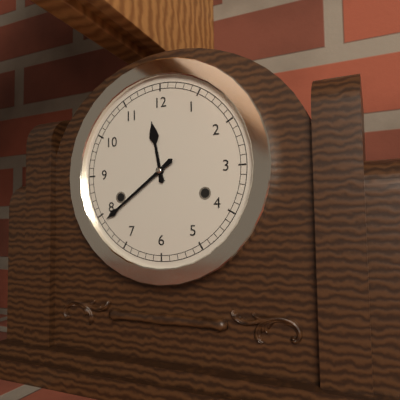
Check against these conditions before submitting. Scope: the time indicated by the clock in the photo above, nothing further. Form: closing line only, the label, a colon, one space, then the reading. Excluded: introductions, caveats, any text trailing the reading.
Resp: 11:39
